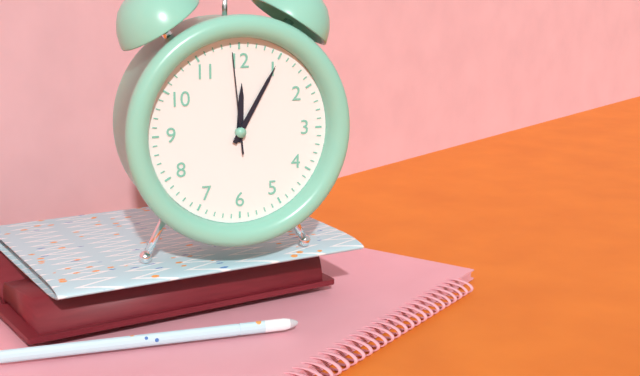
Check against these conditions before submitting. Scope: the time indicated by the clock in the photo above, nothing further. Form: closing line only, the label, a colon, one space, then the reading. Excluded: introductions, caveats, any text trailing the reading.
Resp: 12:05:59
